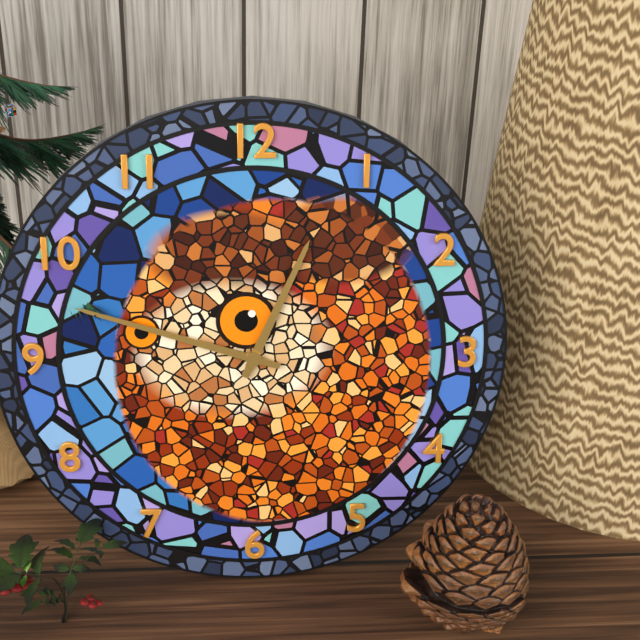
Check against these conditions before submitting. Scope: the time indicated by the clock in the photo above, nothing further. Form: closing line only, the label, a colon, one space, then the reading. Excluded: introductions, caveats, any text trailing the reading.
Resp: 12:48
